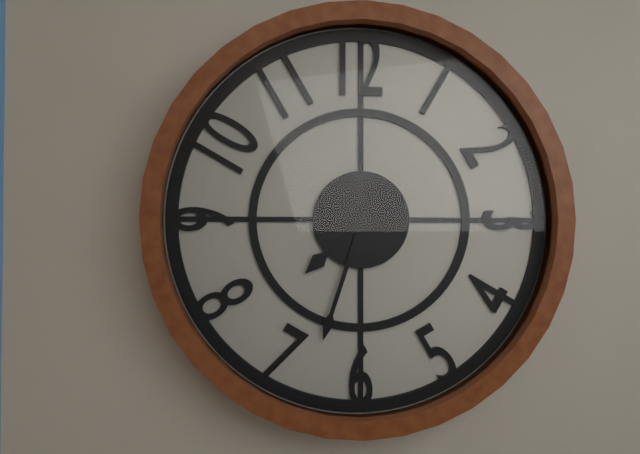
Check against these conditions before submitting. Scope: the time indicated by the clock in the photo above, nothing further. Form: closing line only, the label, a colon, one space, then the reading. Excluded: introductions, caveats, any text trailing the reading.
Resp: 7:33
